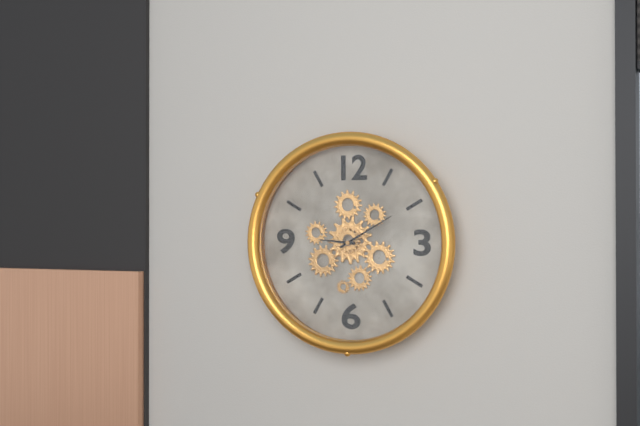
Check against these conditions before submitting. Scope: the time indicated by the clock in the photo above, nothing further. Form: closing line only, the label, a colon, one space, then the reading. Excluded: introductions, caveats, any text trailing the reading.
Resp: 9:10
